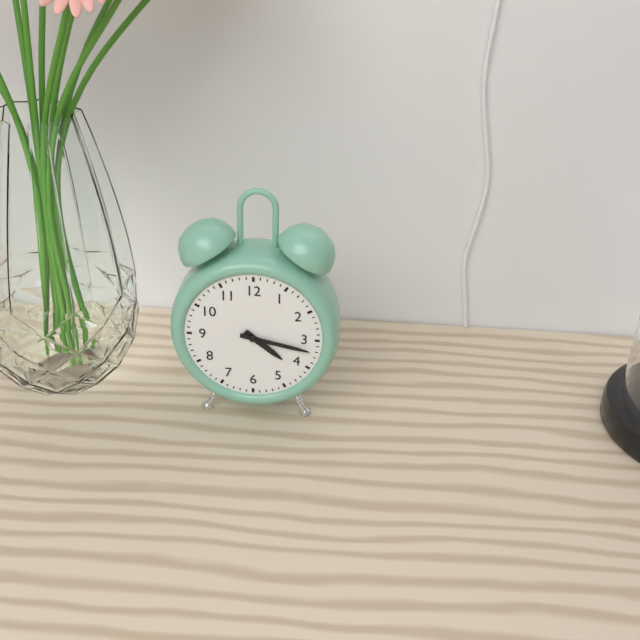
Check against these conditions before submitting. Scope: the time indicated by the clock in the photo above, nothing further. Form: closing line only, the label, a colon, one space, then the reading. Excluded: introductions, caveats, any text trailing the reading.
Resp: 4:17
